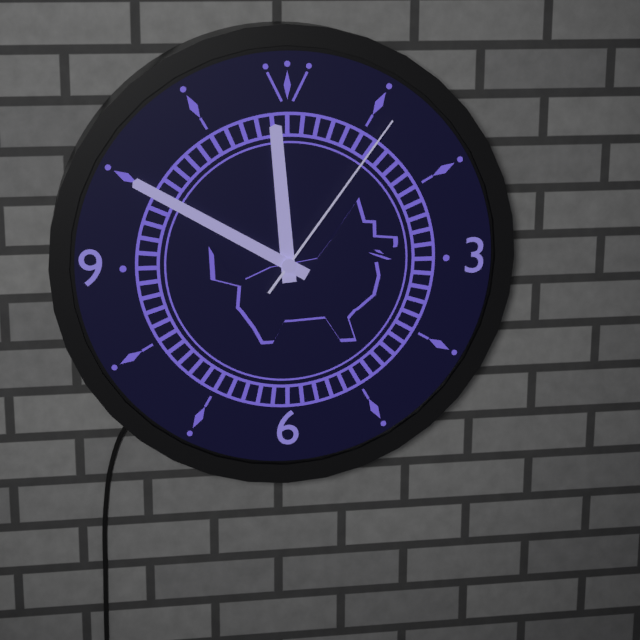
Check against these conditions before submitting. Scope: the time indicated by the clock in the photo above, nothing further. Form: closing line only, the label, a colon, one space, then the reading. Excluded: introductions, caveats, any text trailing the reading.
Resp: 11:50:06
